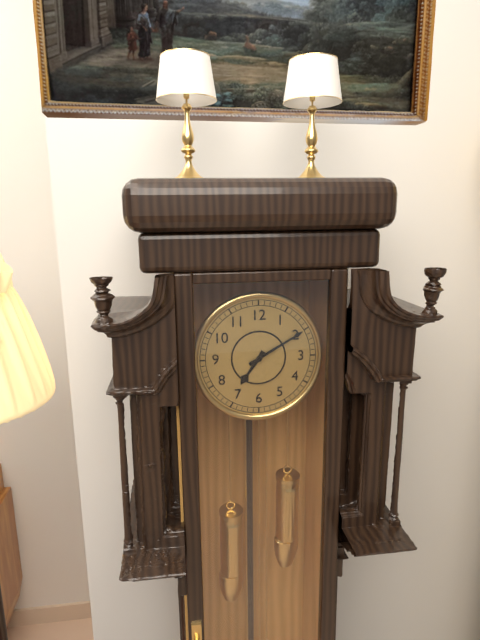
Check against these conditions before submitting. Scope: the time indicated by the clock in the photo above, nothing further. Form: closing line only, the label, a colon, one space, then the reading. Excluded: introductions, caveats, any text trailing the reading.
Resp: 7:10
